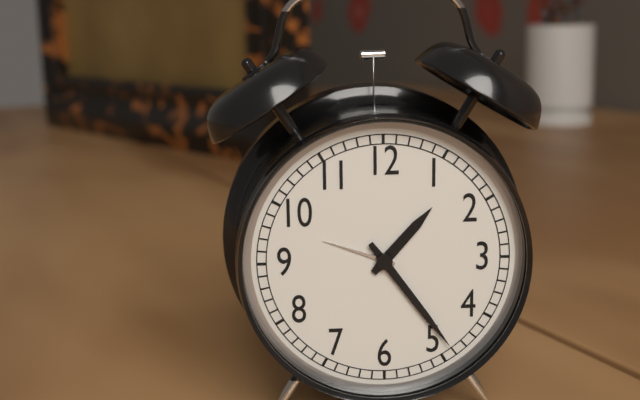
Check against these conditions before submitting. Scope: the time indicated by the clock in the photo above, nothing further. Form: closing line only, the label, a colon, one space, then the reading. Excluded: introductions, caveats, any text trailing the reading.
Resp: 1:24
